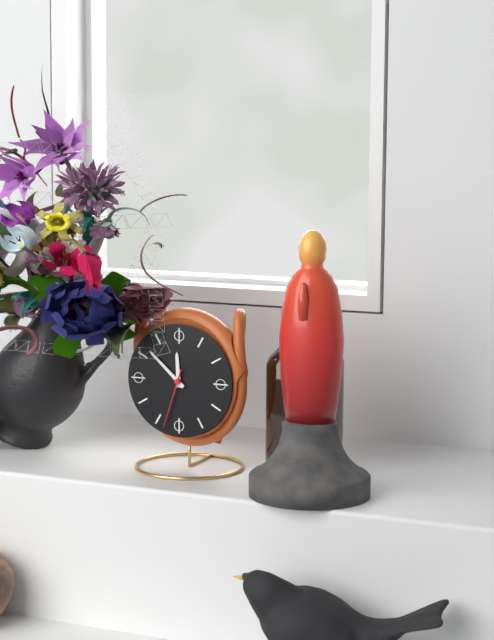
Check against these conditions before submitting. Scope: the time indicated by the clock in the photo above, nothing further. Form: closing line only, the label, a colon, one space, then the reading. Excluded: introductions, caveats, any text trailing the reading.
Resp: 11:52:33
